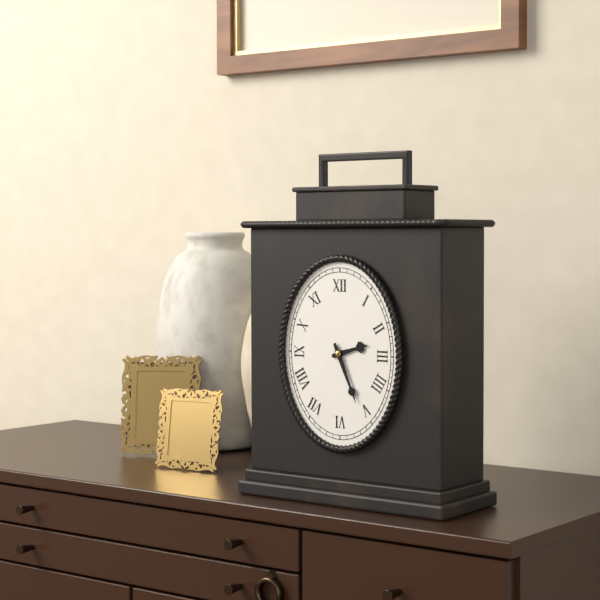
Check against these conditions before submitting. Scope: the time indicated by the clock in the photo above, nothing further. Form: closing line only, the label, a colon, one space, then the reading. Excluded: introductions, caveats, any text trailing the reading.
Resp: 2:26
